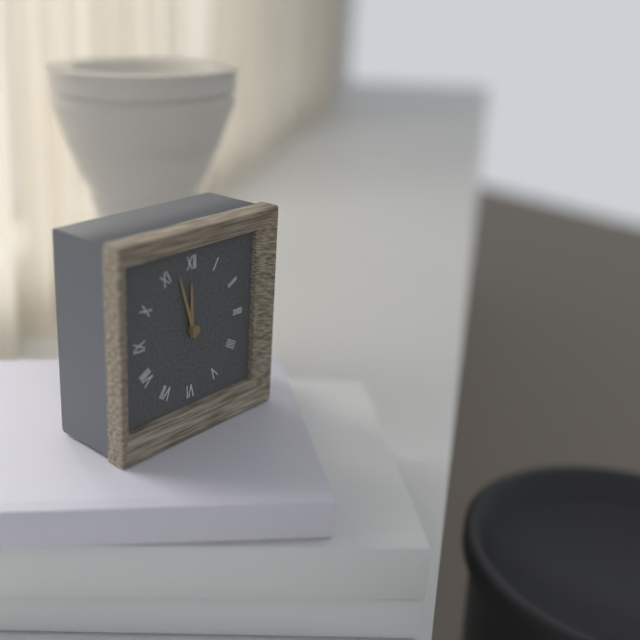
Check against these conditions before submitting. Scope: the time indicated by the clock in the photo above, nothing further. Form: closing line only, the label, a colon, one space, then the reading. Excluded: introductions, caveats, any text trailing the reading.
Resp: 11:57
